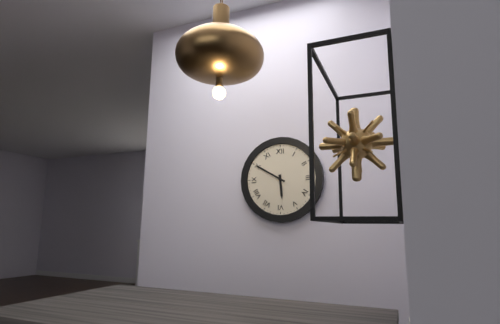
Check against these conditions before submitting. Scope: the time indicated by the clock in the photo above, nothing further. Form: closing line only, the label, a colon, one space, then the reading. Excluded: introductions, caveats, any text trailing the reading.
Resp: 5:50
